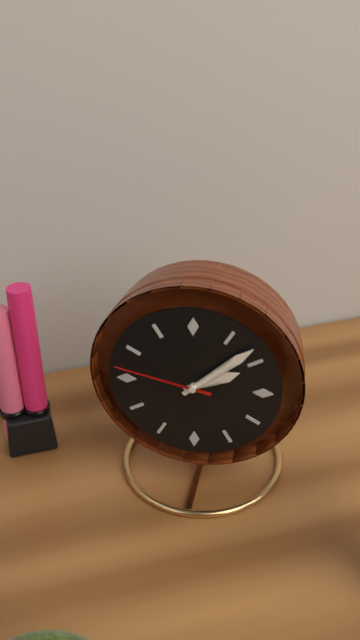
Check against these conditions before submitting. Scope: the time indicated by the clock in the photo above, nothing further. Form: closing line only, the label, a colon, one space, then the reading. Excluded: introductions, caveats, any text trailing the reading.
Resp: 2:08:47
